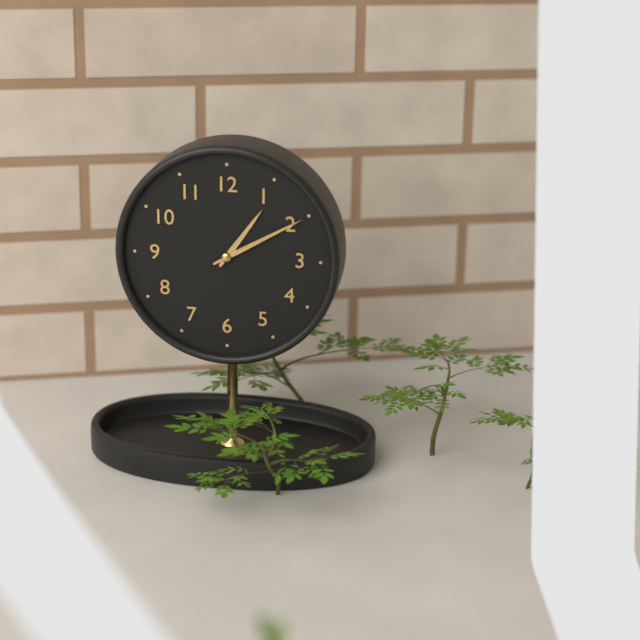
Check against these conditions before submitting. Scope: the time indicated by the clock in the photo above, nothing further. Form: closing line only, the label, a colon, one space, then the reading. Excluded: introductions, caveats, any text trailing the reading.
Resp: 1:10
